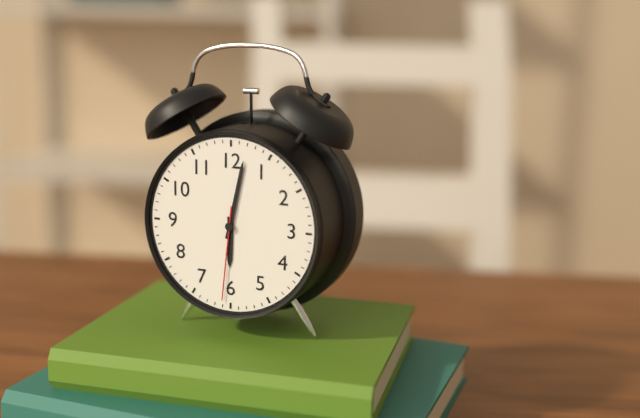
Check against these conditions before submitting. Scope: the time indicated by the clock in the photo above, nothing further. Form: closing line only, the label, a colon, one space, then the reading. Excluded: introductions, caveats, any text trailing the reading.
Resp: 6:02:31
